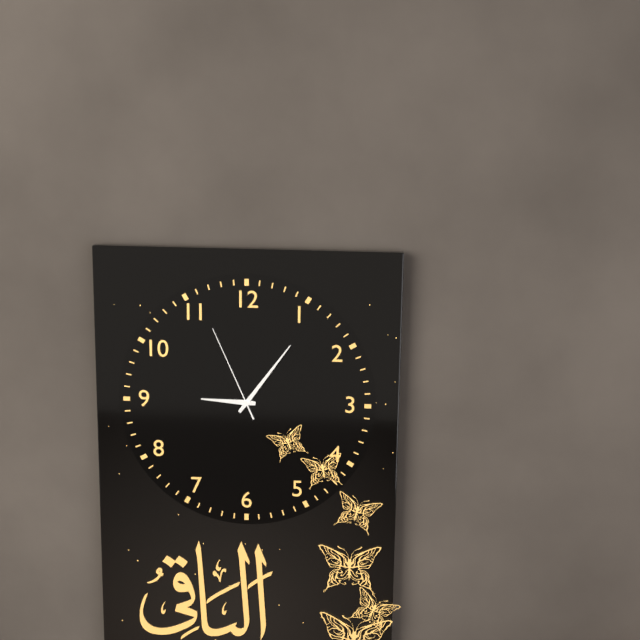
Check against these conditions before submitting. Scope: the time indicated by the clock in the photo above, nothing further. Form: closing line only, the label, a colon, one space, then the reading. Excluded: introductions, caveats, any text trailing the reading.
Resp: 9:06:56
